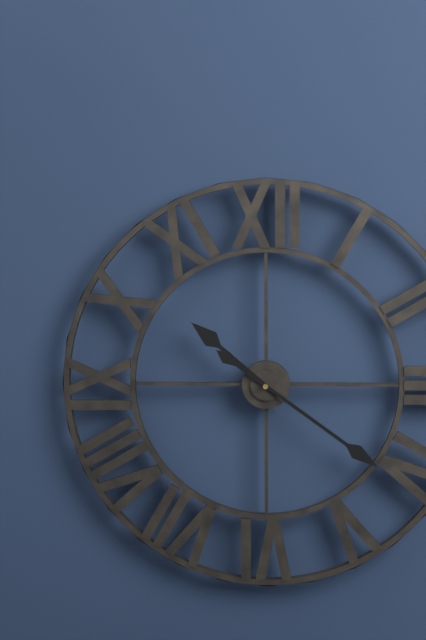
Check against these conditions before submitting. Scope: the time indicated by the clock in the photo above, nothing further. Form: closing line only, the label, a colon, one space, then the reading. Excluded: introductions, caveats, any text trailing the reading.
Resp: 10:21
